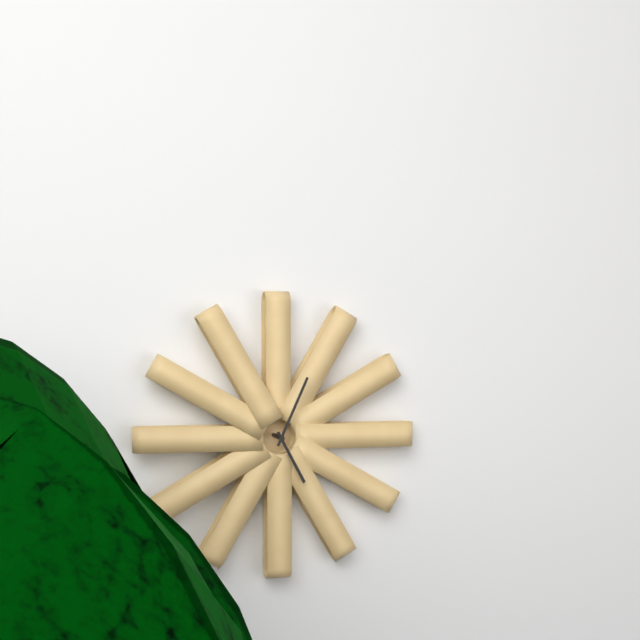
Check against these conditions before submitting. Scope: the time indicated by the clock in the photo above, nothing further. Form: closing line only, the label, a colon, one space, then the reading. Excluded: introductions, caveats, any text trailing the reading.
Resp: 5:04
